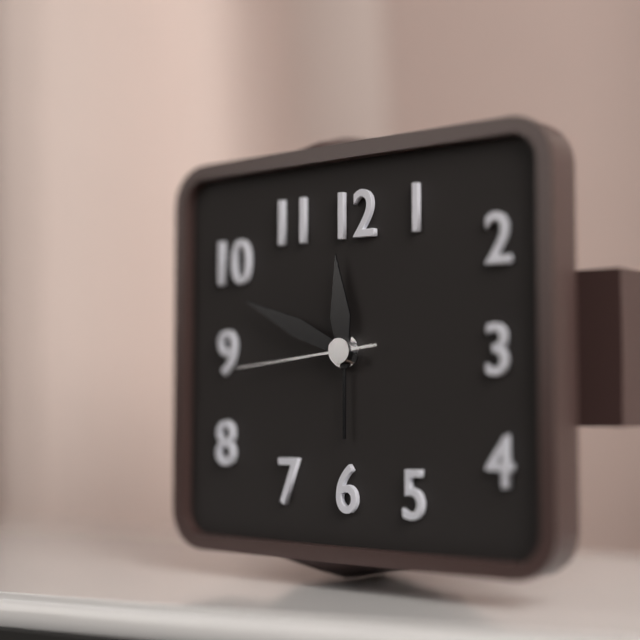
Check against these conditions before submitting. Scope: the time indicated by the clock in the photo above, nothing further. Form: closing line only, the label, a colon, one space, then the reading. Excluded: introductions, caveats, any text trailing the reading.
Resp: 11:49:44
